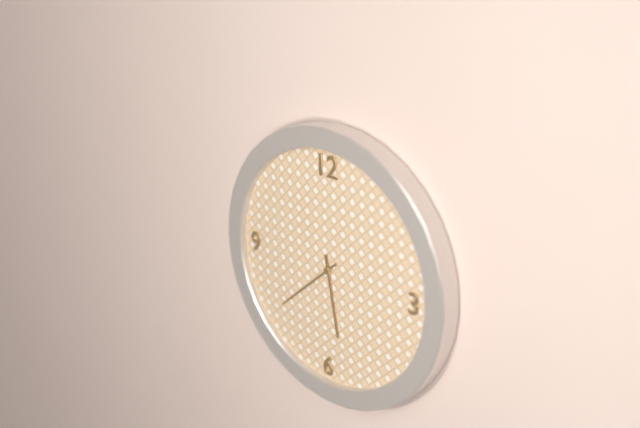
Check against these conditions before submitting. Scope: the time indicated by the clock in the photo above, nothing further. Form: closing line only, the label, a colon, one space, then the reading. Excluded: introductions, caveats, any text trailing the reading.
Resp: 5:38
